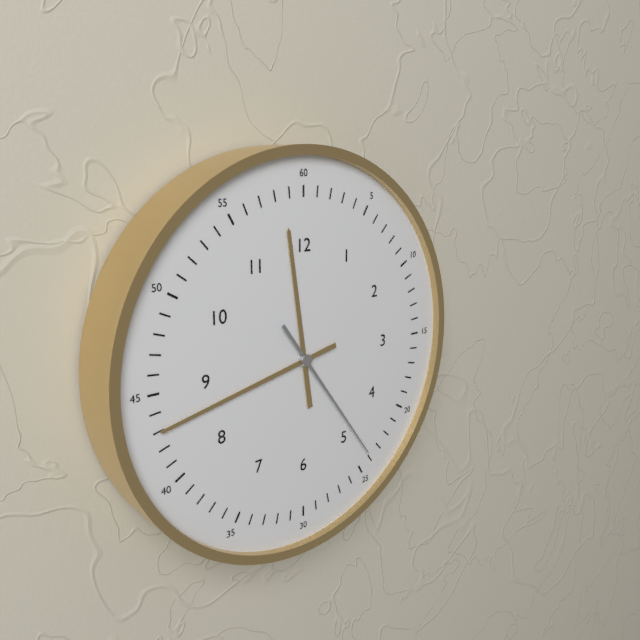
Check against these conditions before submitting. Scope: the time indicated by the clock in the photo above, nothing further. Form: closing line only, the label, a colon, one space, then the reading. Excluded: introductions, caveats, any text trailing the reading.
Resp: 11:43:24
